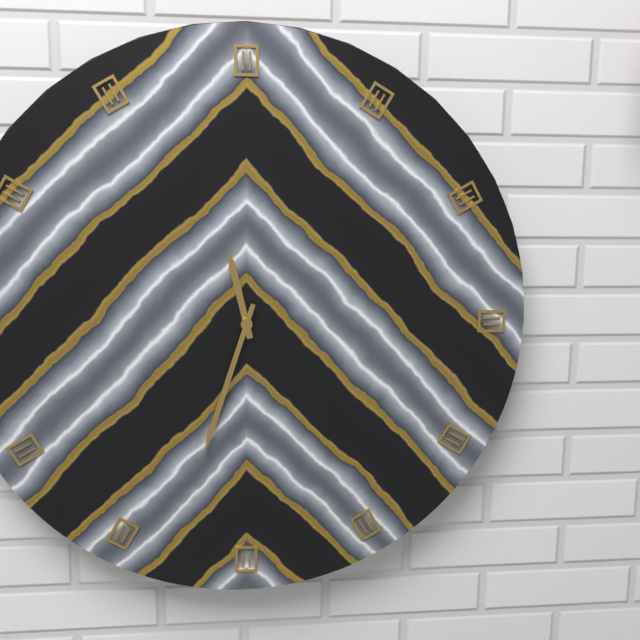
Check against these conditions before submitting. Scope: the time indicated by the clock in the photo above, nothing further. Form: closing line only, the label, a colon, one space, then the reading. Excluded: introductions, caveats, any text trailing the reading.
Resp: 11:33
